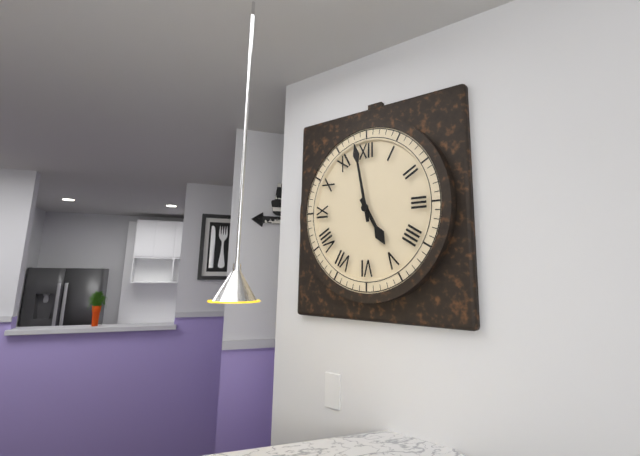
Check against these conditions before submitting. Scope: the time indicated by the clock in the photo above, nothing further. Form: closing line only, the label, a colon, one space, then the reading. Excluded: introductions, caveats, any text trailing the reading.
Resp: 4:58
